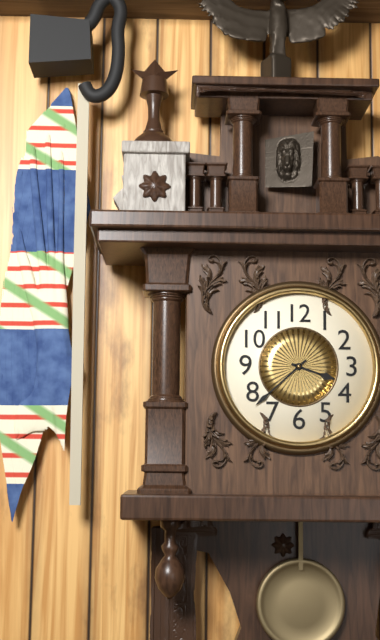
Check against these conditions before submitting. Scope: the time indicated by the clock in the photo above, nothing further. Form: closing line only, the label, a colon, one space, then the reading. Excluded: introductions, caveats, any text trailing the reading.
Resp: 3:38
